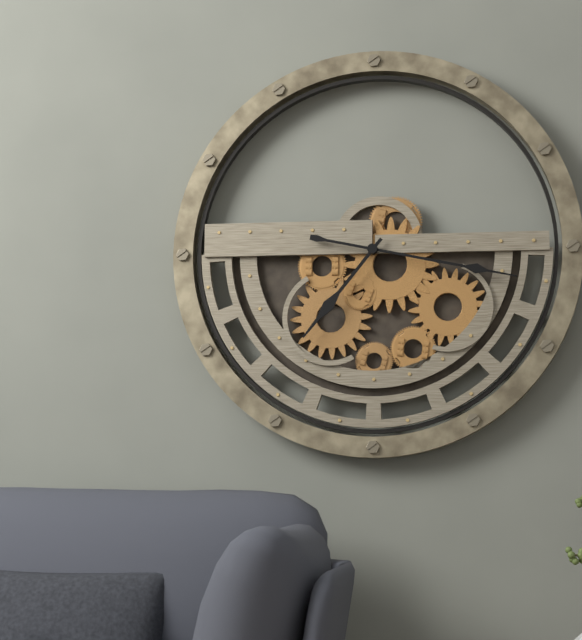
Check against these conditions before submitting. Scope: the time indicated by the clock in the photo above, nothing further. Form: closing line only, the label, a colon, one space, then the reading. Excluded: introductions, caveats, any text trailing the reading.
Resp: 7:17
